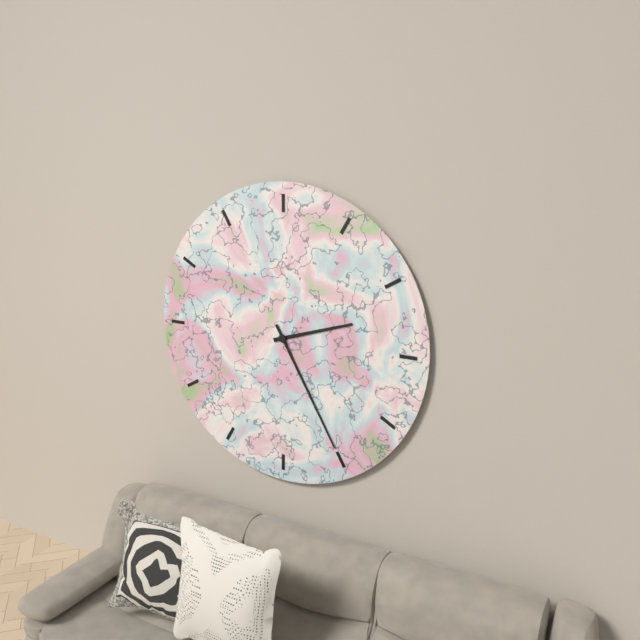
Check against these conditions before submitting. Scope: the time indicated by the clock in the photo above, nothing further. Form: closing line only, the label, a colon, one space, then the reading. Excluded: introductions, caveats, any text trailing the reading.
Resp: 2:25
